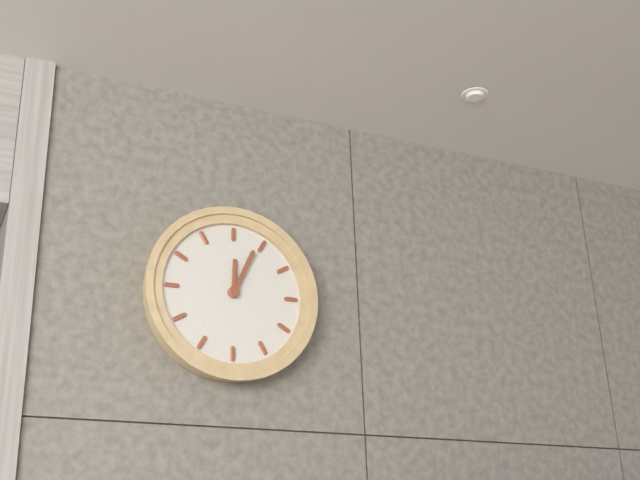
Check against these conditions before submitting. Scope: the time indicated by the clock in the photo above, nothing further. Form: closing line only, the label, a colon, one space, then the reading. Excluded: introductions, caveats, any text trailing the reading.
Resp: 12:04
